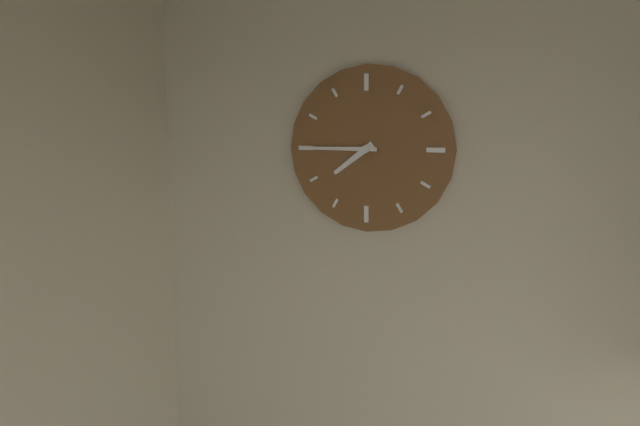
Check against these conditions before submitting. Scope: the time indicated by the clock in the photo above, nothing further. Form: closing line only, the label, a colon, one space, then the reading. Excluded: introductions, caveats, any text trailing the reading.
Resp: 7:45
